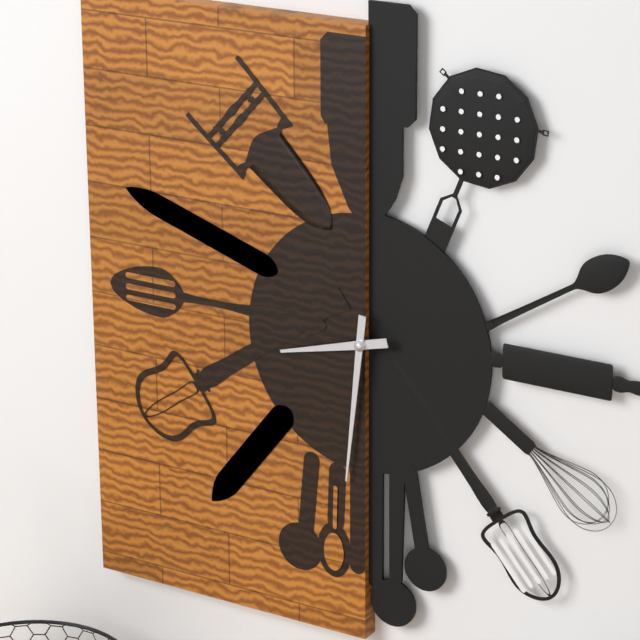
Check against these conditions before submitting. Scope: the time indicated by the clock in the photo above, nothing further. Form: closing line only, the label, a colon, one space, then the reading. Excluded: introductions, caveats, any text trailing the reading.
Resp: 8:31
